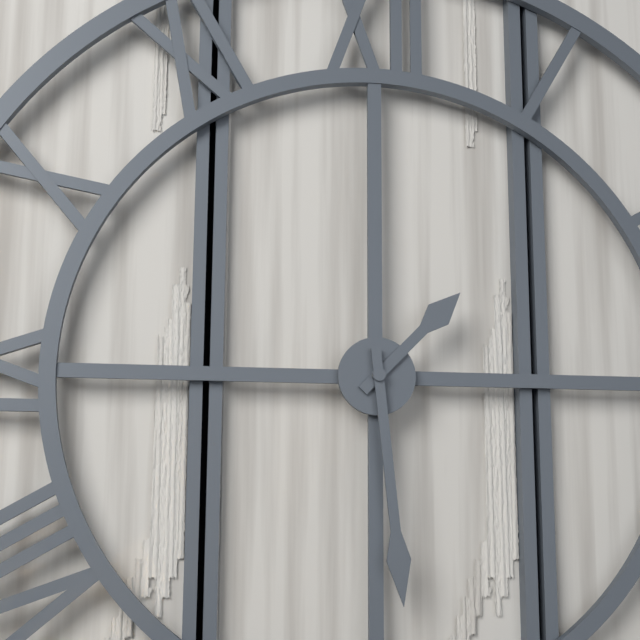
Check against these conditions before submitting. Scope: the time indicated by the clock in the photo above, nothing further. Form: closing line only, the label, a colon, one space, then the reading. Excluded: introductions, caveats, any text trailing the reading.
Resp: 1:29
